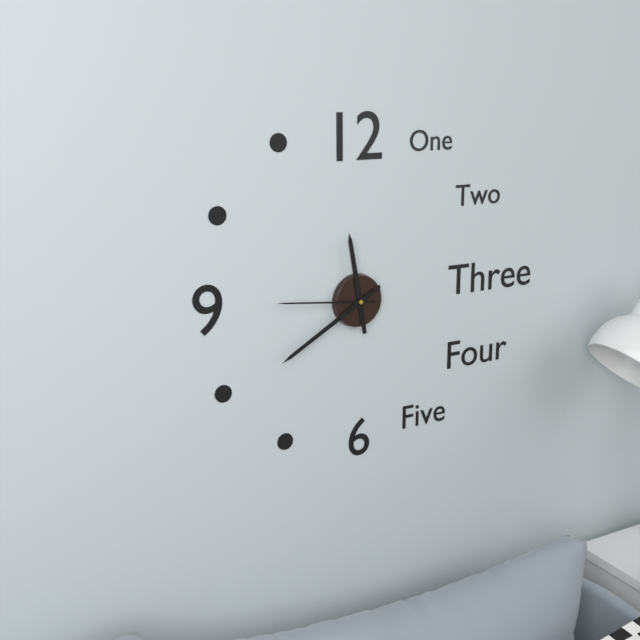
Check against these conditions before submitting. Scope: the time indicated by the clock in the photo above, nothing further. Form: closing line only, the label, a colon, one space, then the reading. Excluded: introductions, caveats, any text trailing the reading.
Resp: 11:40:46
